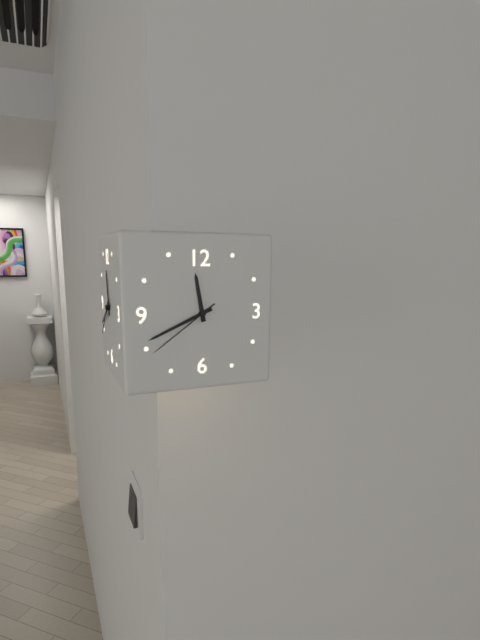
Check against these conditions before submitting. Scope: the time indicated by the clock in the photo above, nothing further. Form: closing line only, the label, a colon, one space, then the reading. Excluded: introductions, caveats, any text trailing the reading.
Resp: 11:41:39
